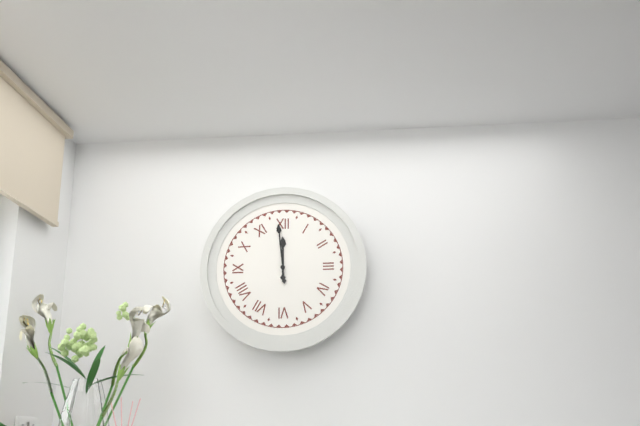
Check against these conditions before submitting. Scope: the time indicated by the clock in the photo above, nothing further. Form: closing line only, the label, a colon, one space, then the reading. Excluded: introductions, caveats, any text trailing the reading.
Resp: 11:59
